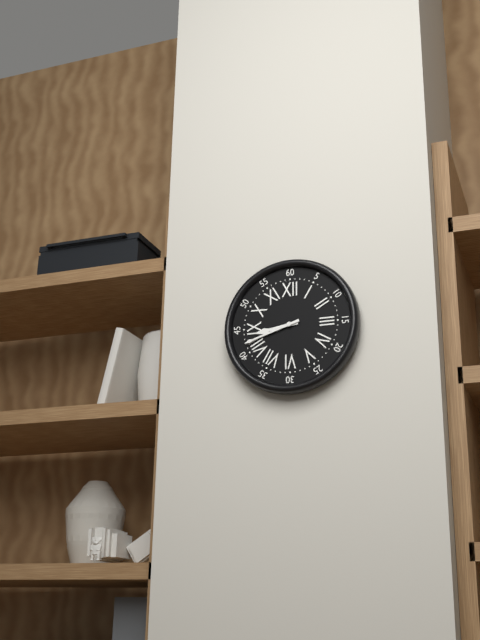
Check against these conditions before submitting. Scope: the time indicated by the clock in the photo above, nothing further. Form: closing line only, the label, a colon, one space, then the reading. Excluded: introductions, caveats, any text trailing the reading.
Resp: 8:42
